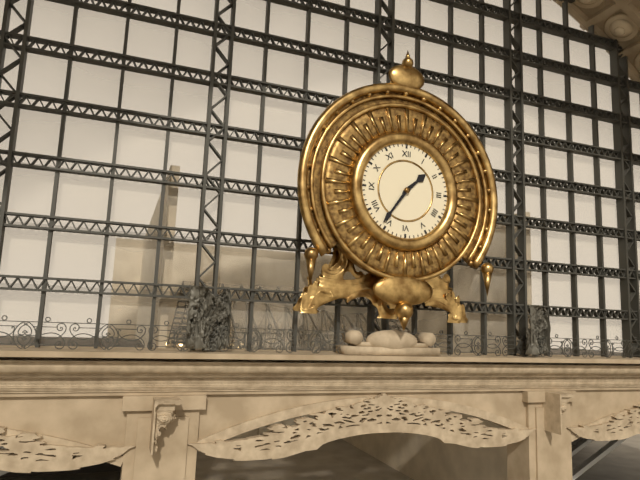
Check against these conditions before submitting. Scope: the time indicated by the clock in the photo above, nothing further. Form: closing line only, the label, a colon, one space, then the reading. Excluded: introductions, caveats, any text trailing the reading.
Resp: 1:36
